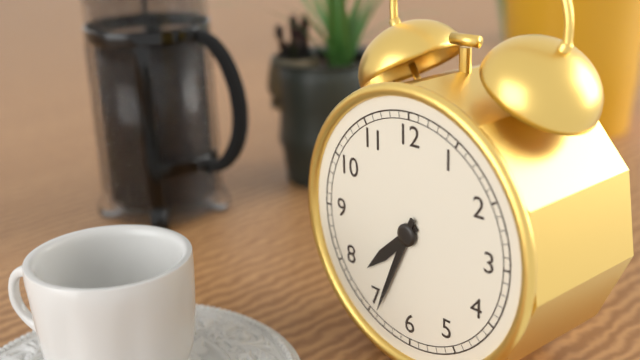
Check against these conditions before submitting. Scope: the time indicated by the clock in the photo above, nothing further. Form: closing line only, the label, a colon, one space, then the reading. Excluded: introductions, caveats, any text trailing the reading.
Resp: 7:34
